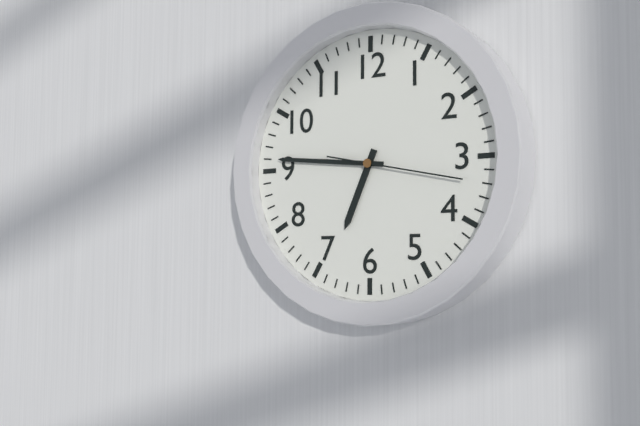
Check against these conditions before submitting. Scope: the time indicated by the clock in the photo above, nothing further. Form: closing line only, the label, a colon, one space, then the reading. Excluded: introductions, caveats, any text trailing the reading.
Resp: 6:46:17
